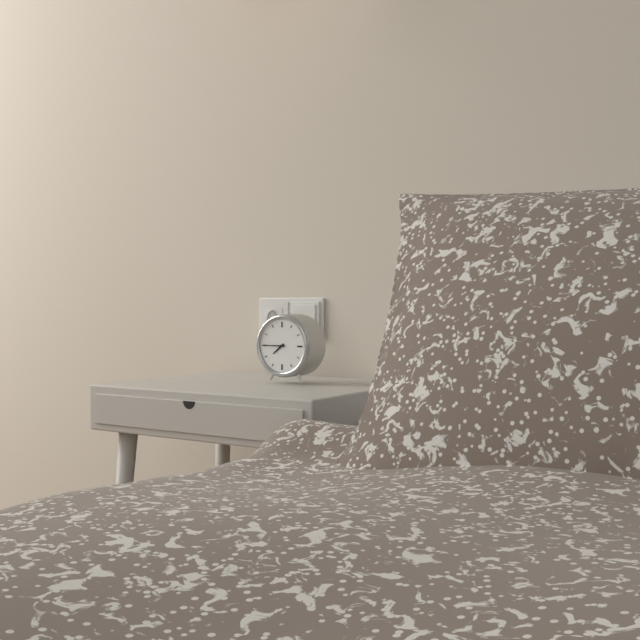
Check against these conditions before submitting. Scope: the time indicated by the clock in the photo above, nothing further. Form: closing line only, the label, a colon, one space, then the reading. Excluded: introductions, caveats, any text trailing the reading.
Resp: 7:45
